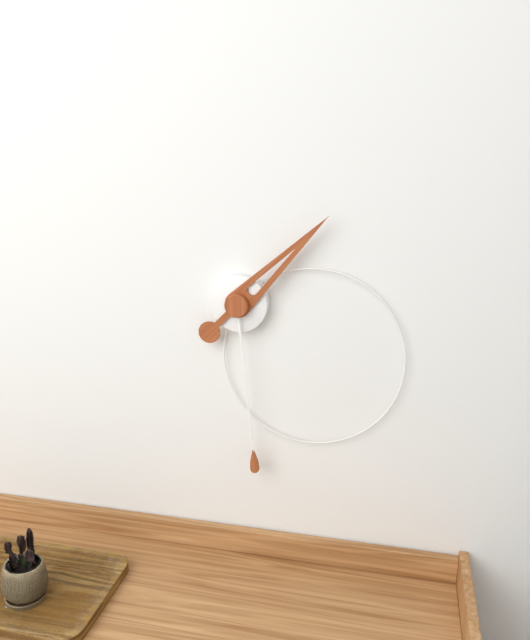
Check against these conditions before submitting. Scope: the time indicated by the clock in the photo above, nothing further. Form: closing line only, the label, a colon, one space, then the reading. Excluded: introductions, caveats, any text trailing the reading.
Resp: 1:29
